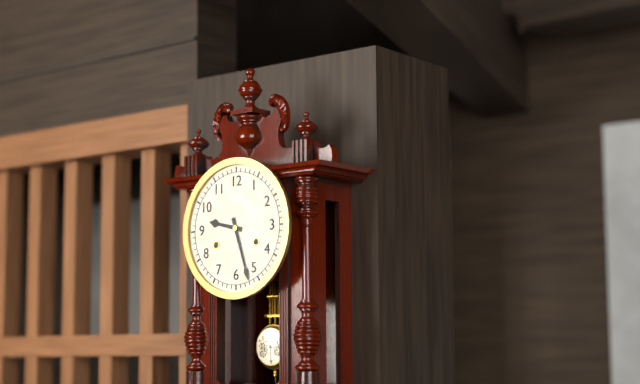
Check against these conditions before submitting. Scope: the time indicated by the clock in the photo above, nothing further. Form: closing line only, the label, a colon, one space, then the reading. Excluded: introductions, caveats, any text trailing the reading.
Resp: 9:27
